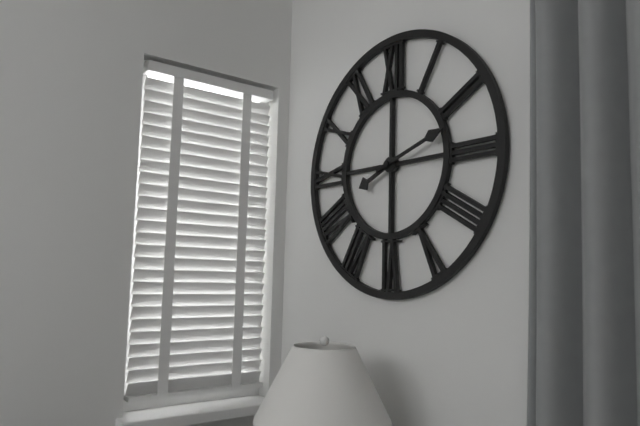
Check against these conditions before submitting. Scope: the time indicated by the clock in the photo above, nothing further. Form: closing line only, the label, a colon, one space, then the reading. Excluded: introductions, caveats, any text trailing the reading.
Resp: 8:12
